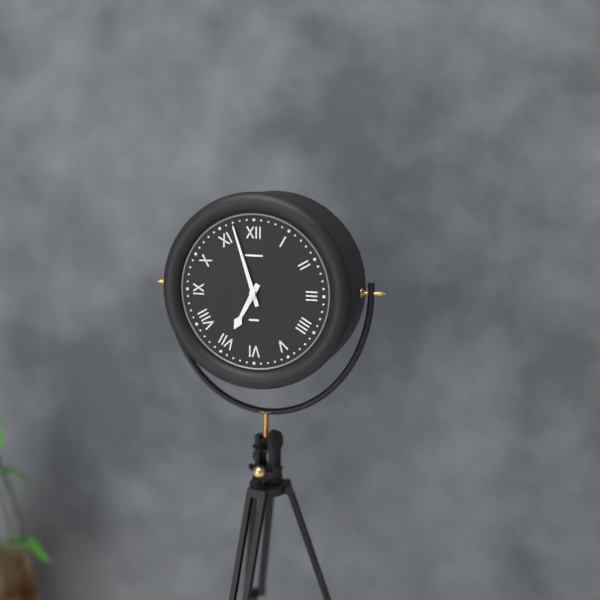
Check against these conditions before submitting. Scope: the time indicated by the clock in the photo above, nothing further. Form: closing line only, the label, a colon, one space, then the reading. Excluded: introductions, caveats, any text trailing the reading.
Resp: 6:57
